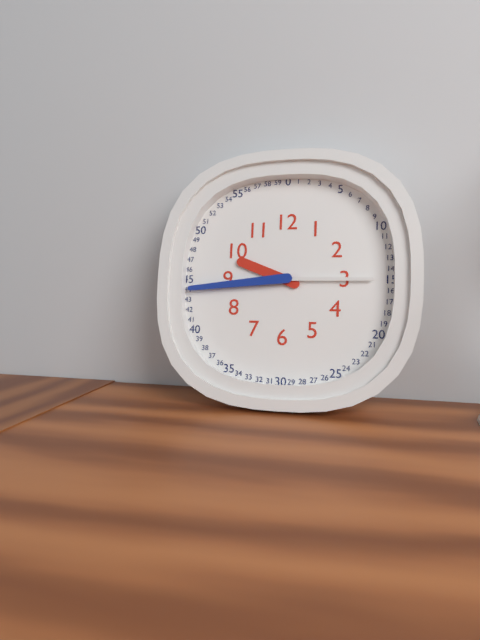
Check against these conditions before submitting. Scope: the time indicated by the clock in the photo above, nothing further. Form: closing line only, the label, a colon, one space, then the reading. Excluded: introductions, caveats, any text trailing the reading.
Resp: 9:44:15
